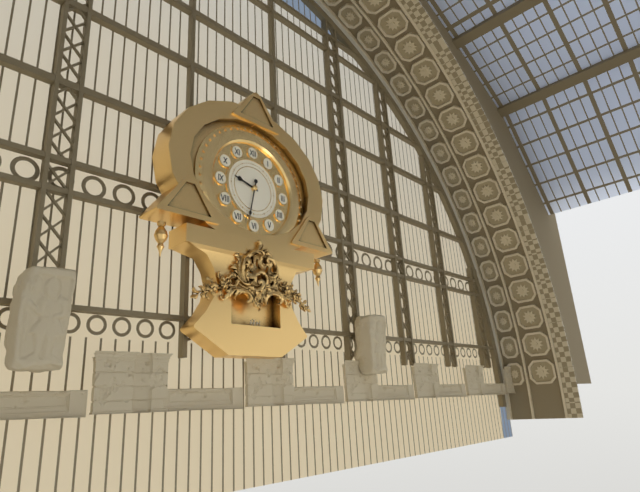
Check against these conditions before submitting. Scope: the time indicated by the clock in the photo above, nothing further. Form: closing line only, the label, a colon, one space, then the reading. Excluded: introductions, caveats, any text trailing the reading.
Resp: 9:32
